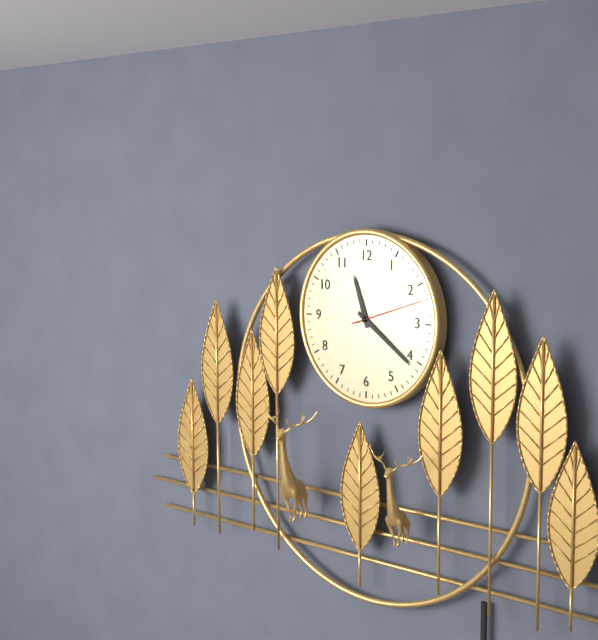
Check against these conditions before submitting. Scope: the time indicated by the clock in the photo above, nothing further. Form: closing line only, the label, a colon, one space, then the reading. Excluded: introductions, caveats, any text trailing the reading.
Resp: 11:21:12
